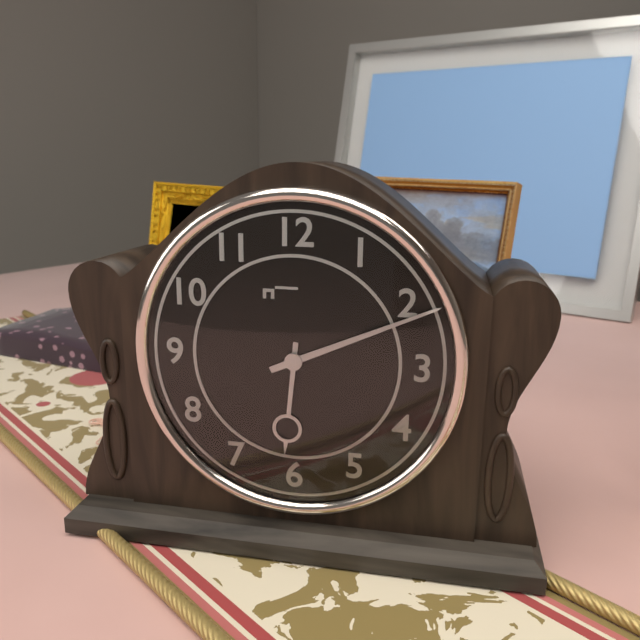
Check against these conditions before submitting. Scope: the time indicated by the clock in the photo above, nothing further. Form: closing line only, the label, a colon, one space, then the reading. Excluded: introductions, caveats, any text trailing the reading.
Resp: 6:11
